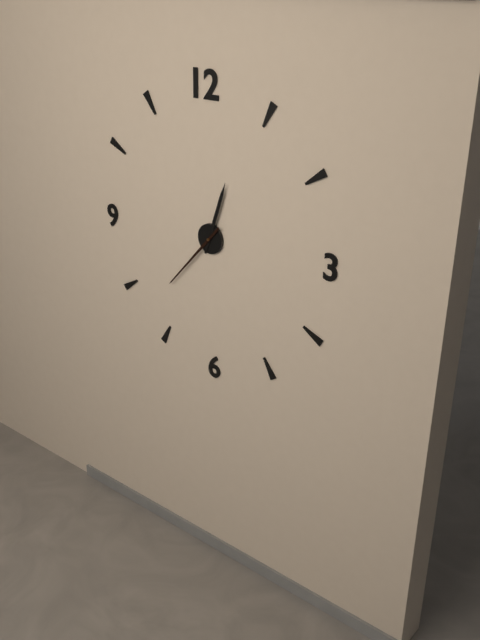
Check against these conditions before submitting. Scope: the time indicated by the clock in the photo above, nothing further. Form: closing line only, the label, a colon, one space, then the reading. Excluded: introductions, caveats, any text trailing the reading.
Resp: 12:37
